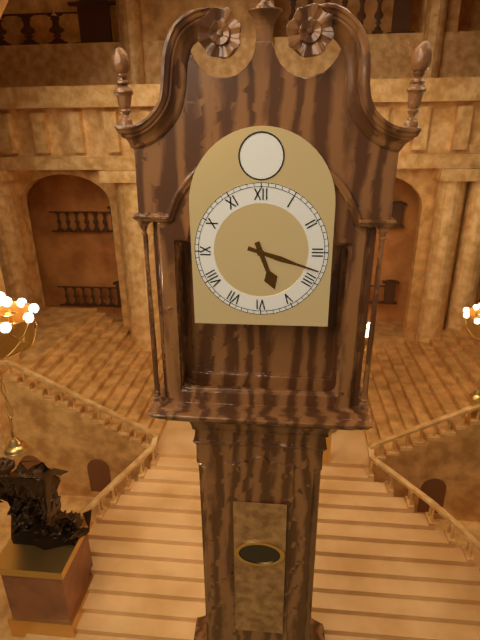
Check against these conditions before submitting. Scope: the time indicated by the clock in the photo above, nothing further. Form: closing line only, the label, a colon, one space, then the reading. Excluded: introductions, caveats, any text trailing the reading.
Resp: 5:18
